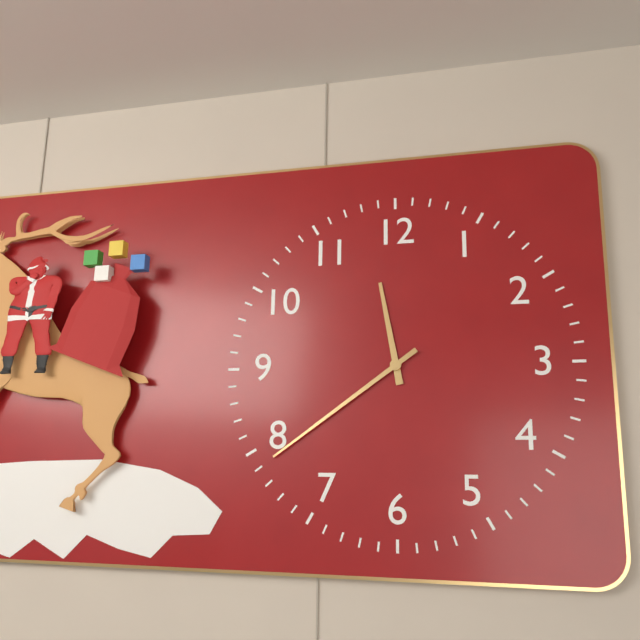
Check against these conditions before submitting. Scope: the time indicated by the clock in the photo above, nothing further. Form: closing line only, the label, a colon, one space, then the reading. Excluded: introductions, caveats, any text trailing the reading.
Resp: 11:39
